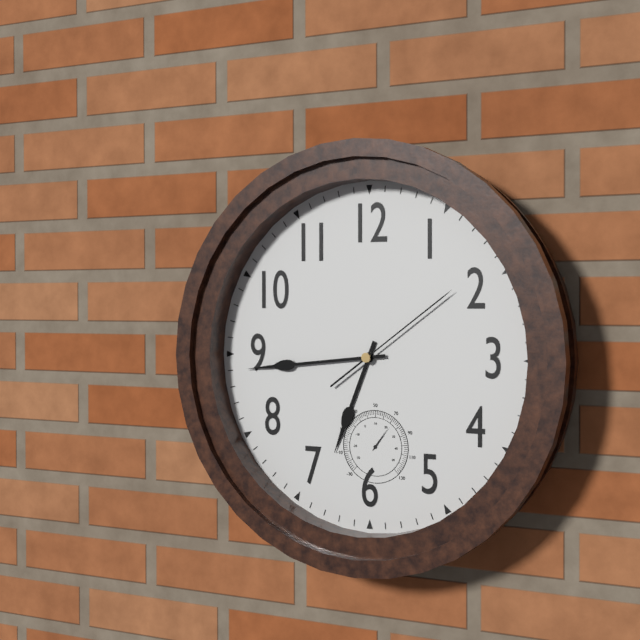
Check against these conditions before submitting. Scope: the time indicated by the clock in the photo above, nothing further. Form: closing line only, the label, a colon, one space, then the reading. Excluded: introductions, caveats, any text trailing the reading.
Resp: 6:44:09
